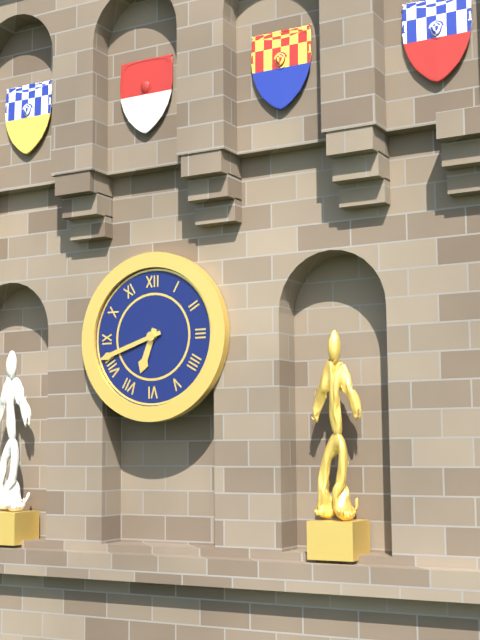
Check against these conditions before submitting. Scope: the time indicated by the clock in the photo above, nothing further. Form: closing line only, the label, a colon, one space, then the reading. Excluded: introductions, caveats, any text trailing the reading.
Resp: 6:42
